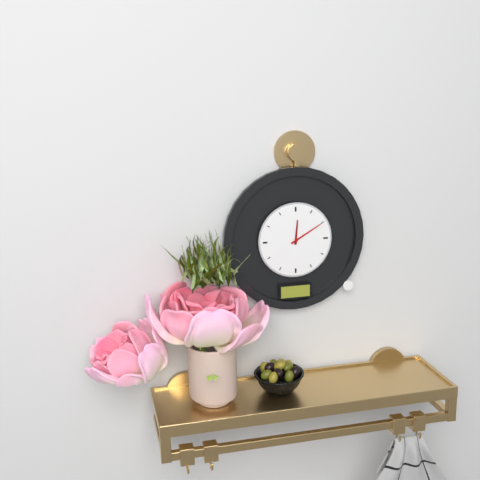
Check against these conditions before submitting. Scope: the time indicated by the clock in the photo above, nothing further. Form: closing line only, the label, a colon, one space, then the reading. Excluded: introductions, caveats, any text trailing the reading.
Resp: 12:10
